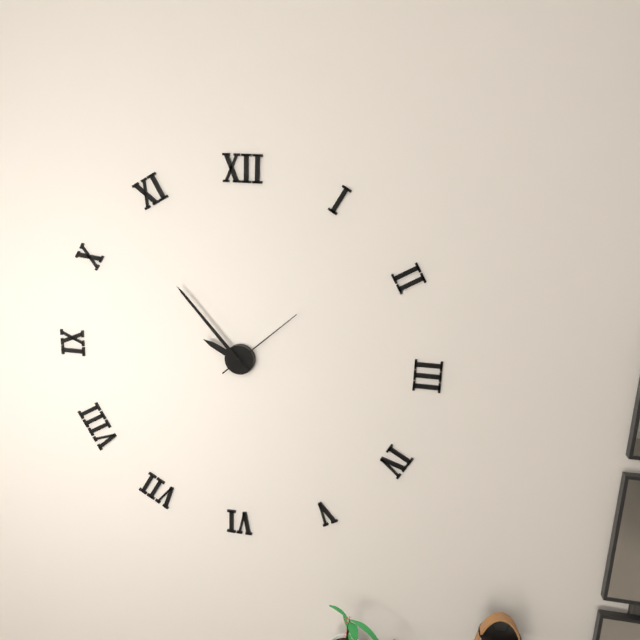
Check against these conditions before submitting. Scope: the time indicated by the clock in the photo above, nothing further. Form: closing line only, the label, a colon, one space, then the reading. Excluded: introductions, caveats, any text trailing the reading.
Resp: 9:53:08
